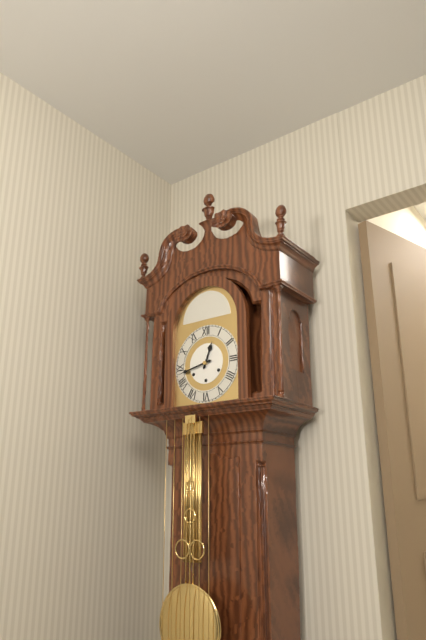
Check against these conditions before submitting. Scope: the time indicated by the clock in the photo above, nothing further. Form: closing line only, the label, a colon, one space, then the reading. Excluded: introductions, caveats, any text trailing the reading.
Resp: 12:43
